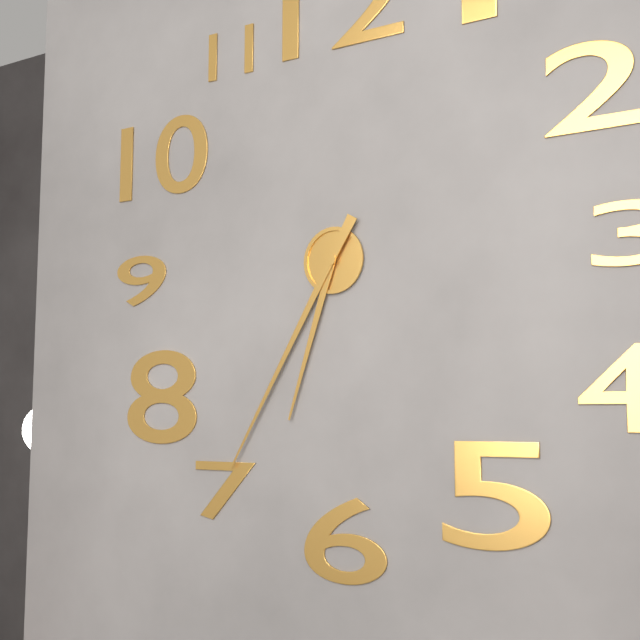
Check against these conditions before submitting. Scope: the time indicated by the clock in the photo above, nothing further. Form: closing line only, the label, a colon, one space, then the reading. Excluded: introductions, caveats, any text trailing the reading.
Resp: 6:35
